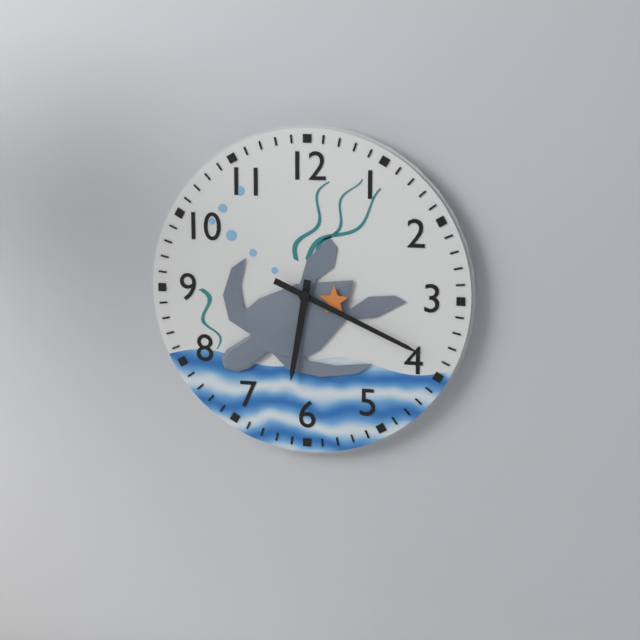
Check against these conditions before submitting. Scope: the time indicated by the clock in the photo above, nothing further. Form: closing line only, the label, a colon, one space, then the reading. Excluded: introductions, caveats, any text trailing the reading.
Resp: 6:19
